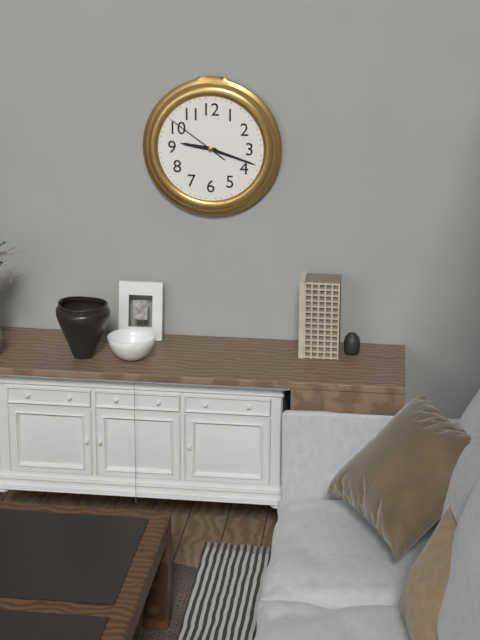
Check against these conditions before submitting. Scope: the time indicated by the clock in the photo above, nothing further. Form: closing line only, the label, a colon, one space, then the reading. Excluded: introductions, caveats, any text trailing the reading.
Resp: 9:18:51
